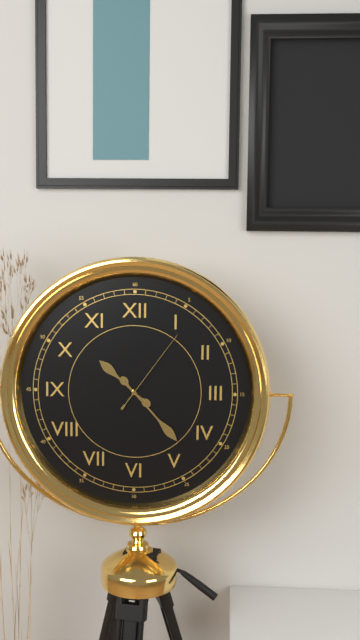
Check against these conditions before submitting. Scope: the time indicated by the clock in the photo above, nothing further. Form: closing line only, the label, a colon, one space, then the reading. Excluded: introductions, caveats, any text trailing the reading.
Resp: 10:23:06
